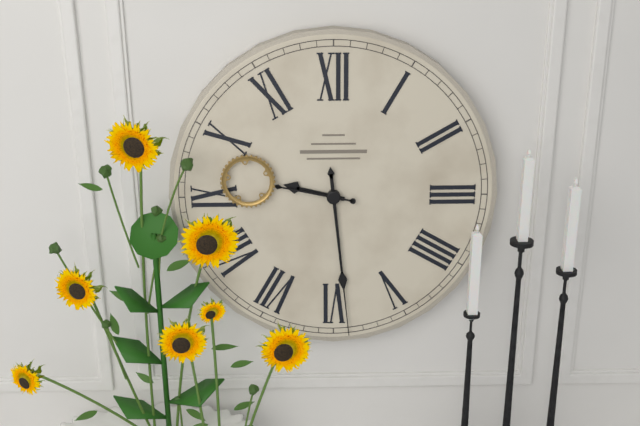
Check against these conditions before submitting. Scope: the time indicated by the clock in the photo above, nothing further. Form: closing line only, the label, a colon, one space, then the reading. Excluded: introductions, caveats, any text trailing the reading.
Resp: 9:29:47
